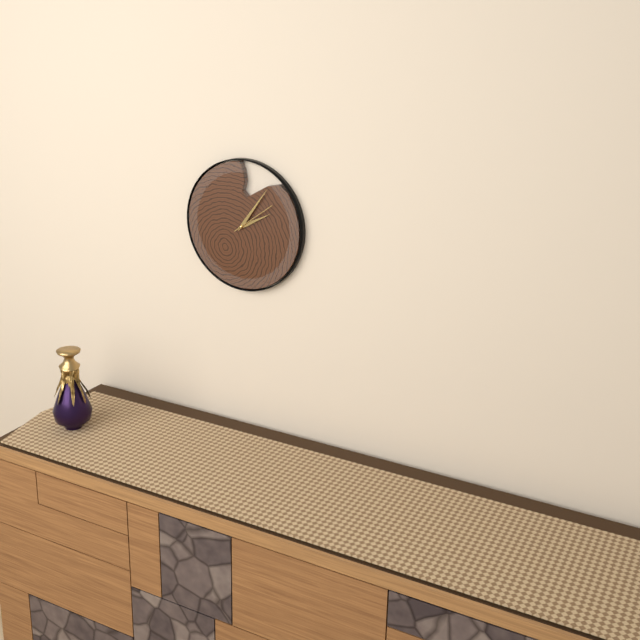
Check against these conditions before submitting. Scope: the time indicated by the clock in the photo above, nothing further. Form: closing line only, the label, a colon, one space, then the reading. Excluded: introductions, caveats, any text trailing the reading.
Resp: 2:06
